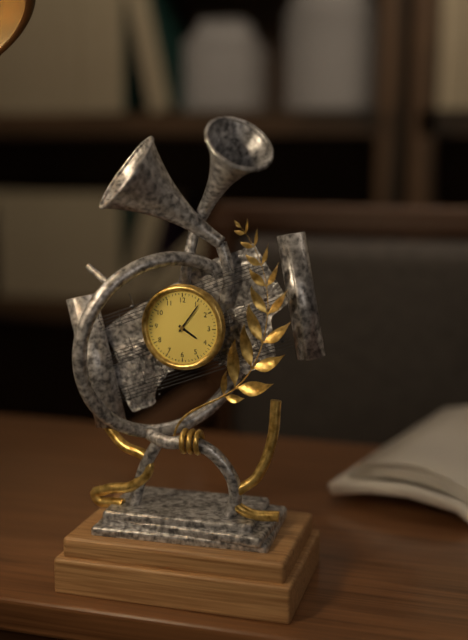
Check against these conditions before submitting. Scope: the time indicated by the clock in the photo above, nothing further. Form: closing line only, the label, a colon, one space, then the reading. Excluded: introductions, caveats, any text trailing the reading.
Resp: 4:06
